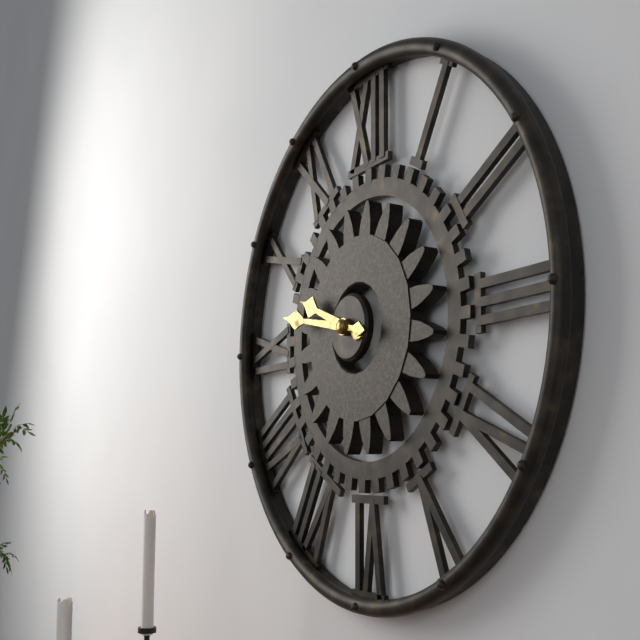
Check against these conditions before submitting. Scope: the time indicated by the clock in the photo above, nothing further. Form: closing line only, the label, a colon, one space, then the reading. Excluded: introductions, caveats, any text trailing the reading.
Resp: 9:47
